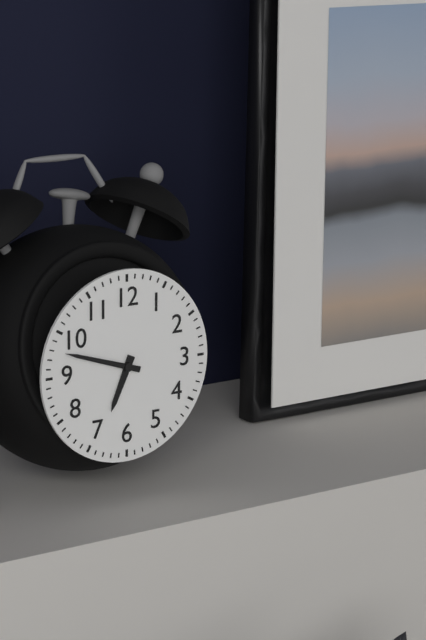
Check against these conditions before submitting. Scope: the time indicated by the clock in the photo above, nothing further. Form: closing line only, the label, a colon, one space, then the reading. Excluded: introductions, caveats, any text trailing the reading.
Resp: 6:48
